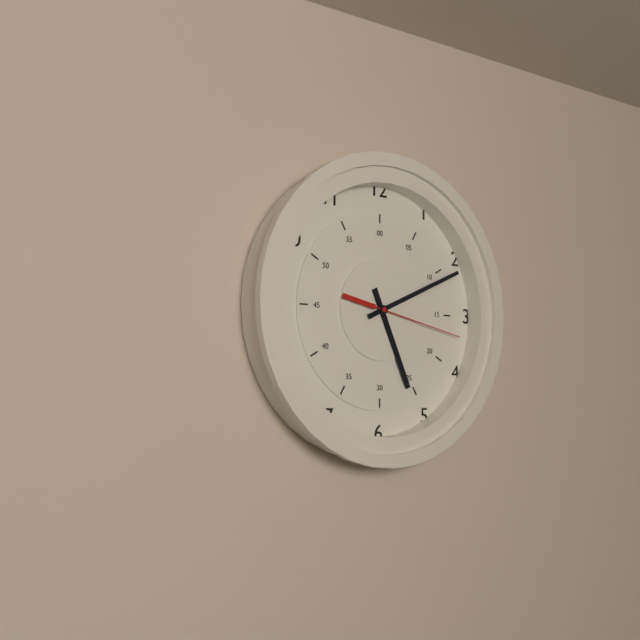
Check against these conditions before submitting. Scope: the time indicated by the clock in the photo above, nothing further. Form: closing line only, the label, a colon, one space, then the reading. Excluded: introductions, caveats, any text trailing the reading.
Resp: 5:11:17
